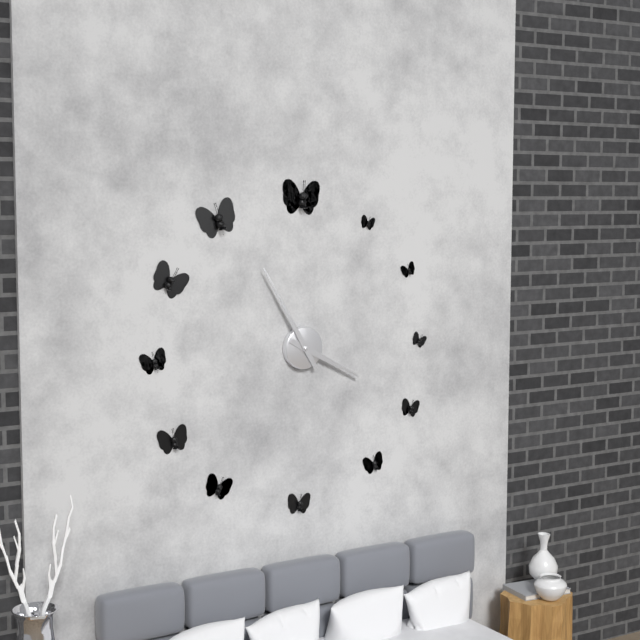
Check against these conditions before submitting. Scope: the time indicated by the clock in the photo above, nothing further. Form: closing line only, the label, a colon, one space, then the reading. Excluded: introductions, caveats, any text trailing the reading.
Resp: 3:55
